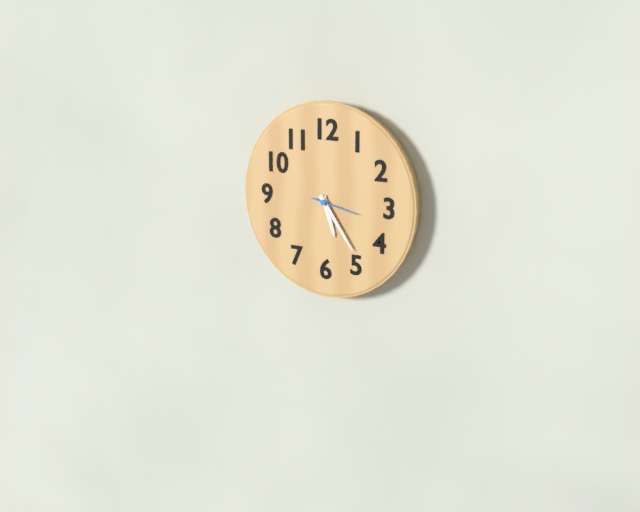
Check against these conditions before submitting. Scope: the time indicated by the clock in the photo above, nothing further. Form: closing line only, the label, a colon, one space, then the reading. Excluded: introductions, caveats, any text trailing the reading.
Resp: 5:24
